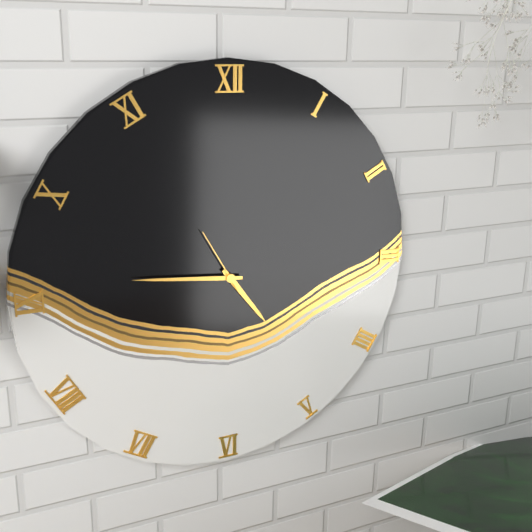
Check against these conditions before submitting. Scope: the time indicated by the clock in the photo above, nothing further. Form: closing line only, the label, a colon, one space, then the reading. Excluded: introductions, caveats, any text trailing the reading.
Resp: 4:46:55
